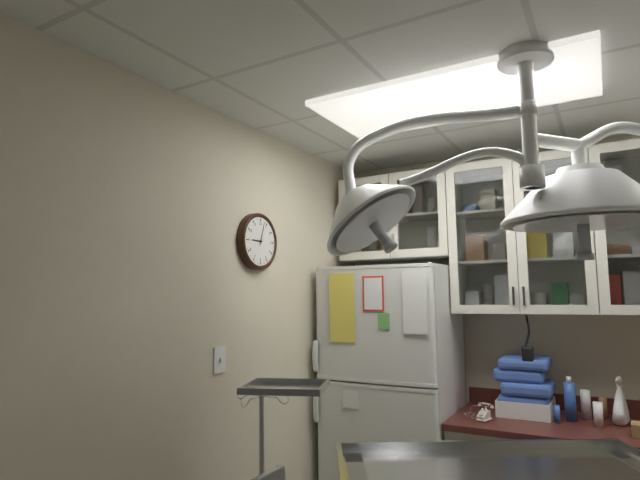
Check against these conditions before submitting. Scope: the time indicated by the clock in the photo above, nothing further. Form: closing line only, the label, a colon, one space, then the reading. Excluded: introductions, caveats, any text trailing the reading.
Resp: 9:03
